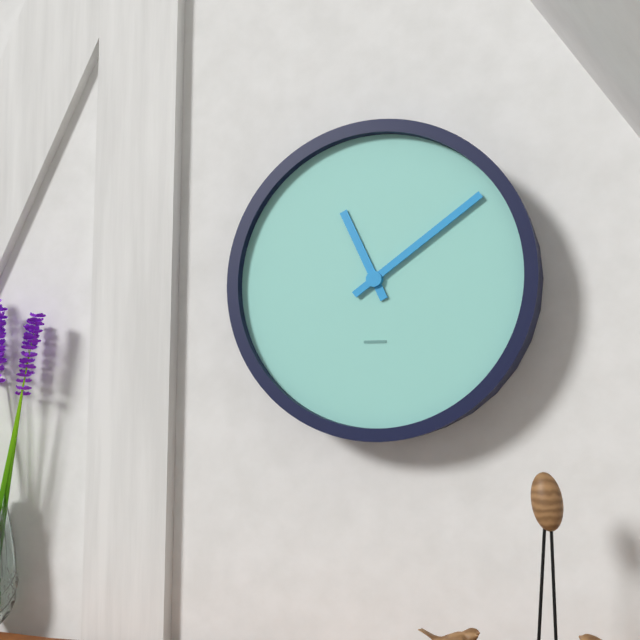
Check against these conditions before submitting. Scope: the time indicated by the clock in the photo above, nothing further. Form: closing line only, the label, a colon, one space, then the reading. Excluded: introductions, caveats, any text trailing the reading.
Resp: 11:09
